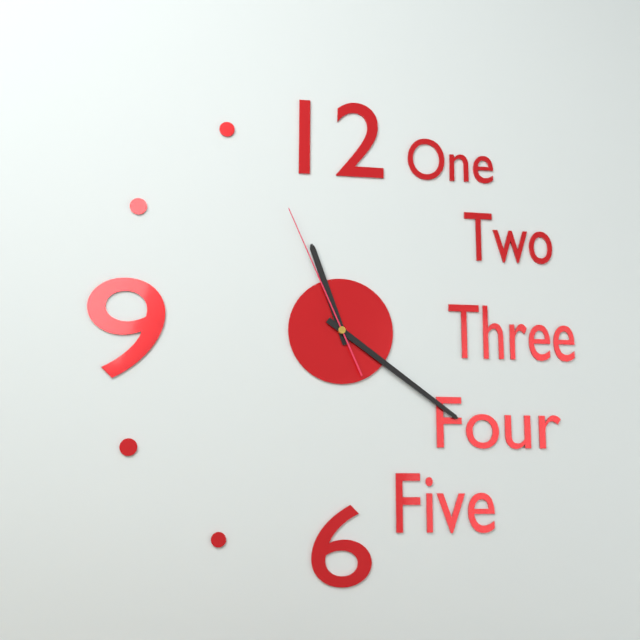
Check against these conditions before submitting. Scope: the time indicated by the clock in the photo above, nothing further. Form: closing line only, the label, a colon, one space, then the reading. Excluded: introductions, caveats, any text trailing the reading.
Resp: 11:21:56
